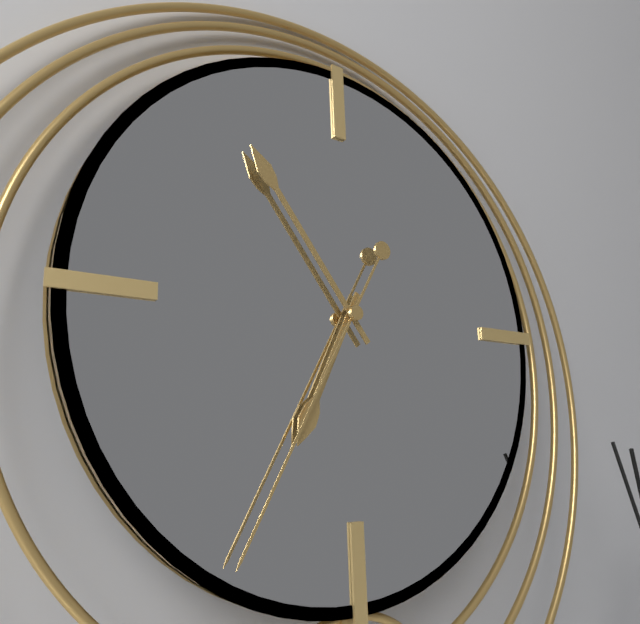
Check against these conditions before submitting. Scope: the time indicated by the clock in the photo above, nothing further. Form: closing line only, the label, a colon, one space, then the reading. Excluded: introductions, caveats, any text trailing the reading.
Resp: 6:54:35
